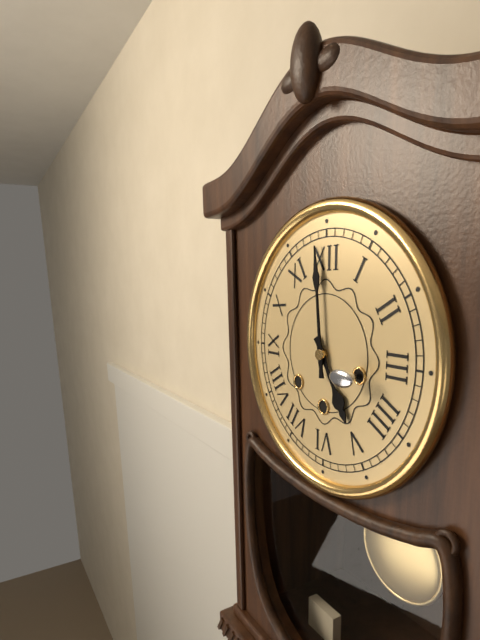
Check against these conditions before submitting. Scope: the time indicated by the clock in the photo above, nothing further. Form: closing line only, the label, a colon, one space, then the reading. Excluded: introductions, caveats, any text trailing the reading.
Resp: 4:59
